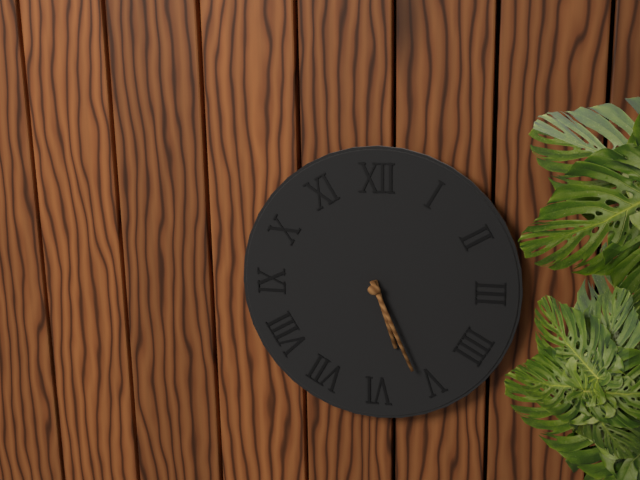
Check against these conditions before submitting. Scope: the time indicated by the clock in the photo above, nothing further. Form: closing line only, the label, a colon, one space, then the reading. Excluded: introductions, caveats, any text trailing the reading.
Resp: 5:26
